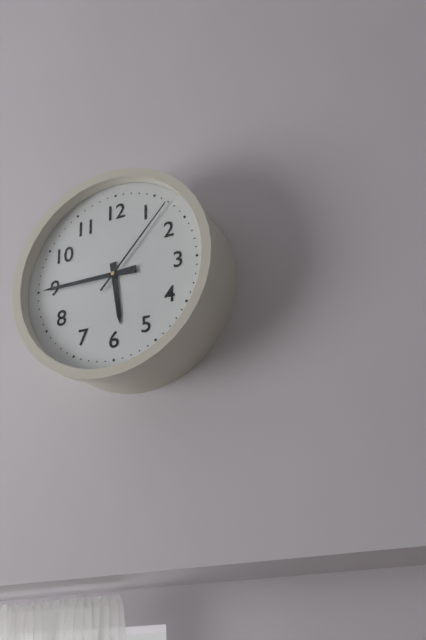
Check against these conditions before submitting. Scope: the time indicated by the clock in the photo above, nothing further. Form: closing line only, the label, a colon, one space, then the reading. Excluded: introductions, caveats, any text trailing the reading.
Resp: 5:45:07
